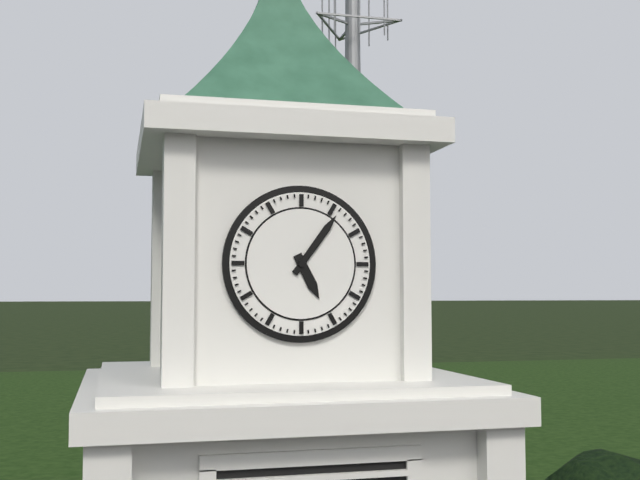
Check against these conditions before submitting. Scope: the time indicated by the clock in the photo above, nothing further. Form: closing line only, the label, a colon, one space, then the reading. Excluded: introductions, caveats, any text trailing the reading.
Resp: 5:06
